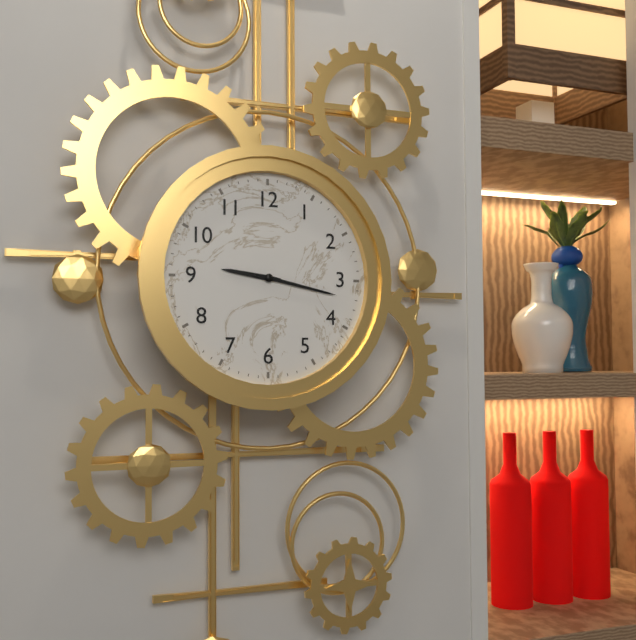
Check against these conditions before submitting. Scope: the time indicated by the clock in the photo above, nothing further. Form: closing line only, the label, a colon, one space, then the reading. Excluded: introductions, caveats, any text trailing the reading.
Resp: 9:17
